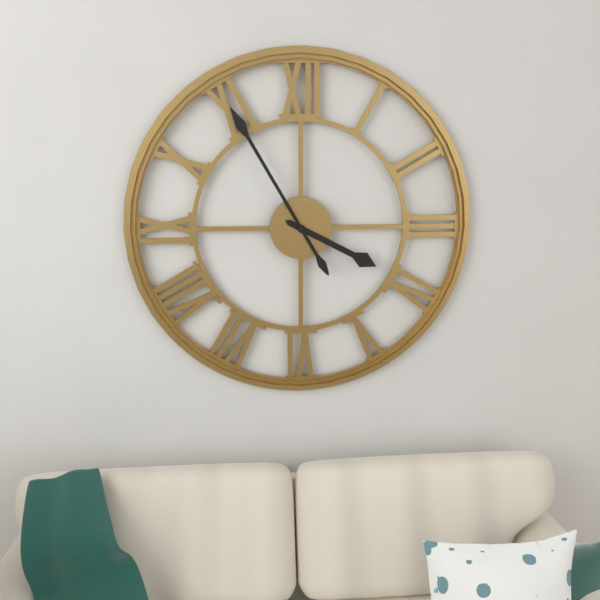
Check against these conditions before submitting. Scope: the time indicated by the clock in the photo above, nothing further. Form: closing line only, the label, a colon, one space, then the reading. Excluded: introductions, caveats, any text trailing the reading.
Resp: 3:55
